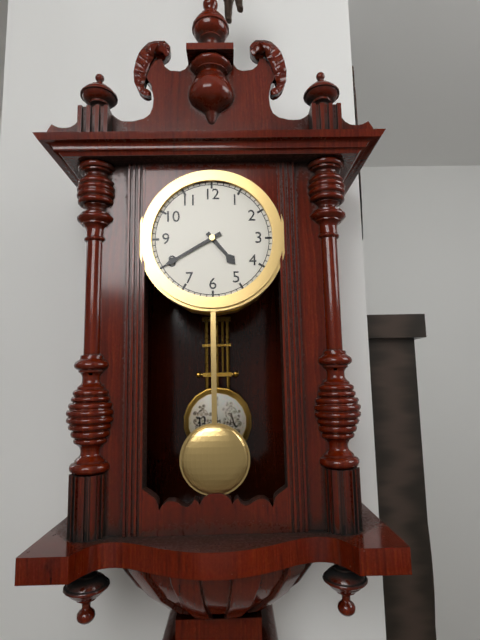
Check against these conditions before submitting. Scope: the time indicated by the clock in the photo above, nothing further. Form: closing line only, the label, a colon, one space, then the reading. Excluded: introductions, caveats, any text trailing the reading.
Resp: 4:40
